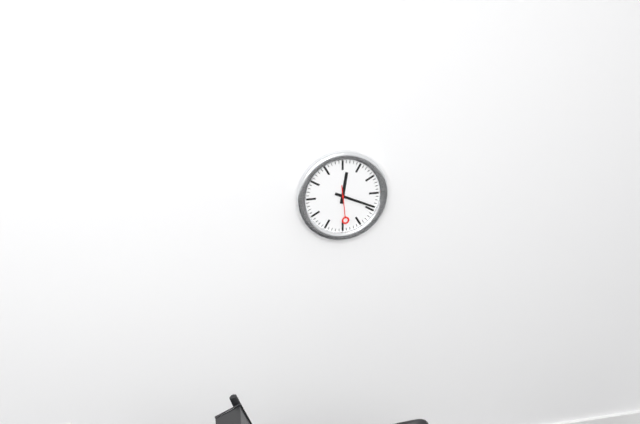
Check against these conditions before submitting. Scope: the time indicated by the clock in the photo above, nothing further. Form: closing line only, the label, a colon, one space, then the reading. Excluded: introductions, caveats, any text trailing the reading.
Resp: 12:19
